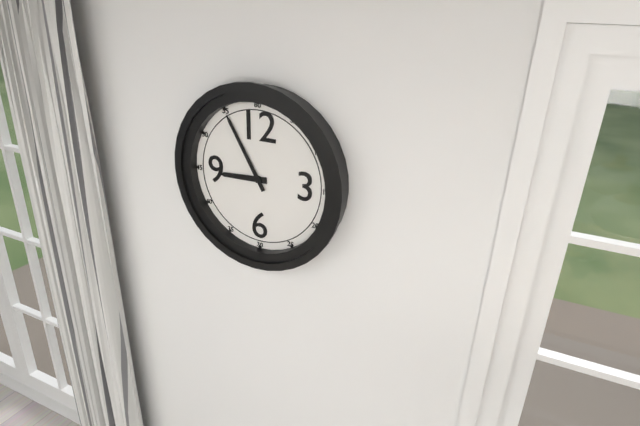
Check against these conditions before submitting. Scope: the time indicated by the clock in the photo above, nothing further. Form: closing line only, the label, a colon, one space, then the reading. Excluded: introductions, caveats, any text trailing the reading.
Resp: 8:55
